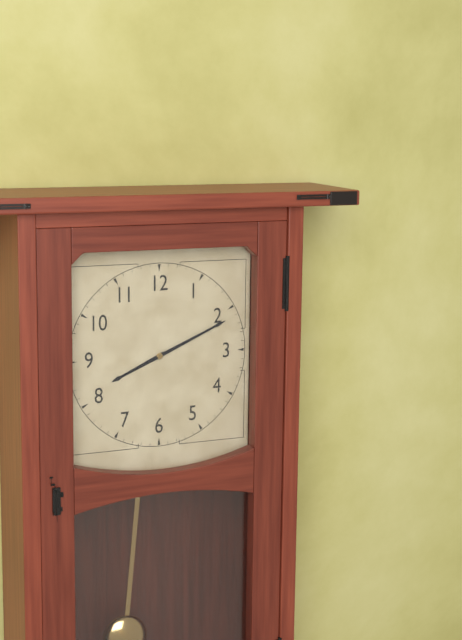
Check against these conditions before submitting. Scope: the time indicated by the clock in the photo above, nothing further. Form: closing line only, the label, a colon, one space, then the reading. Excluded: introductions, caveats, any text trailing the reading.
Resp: 8:11
